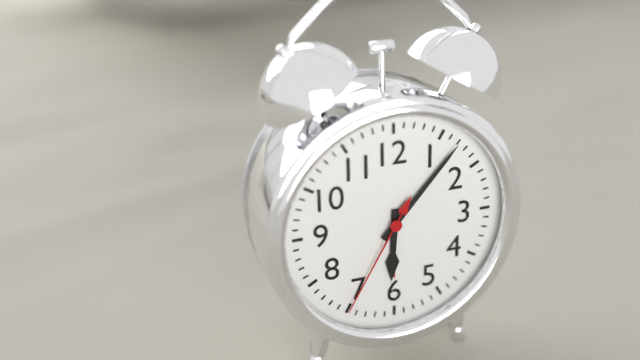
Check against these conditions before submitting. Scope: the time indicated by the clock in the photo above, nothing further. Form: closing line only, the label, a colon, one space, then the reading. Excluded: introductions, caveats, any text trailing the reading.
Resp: 6:07:35
